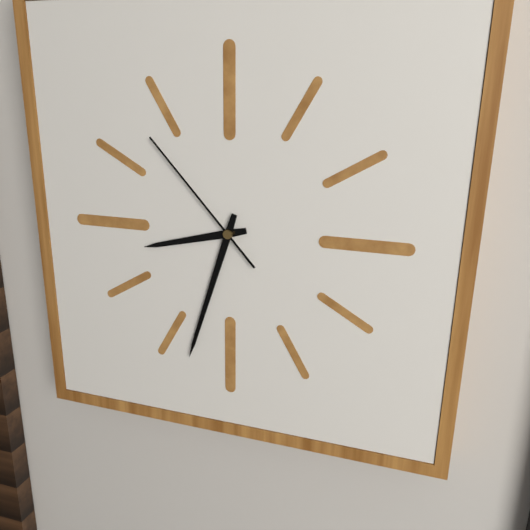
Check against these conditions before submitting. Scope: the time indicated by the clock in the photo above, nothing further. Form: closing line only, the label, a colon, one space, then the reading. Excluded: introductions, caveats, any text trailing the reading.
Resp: 8:33:53
